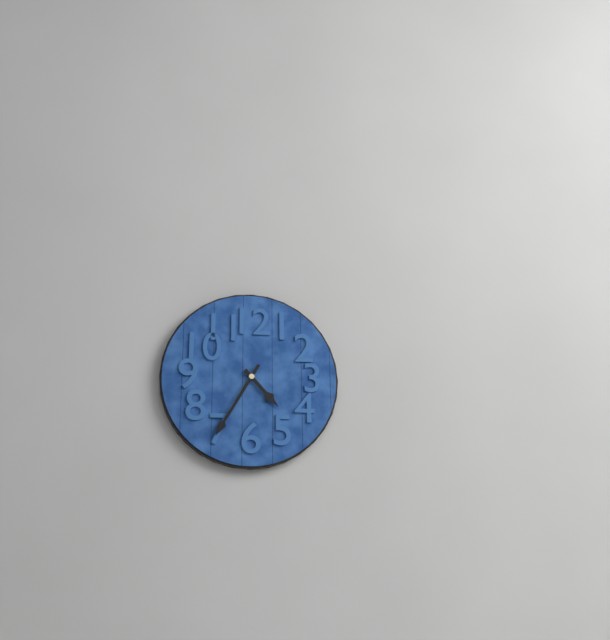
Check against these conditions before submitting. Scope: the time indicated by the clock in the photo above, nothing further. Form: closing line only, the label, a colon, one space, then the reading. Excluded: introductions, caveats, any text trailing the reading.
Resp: 4:35
